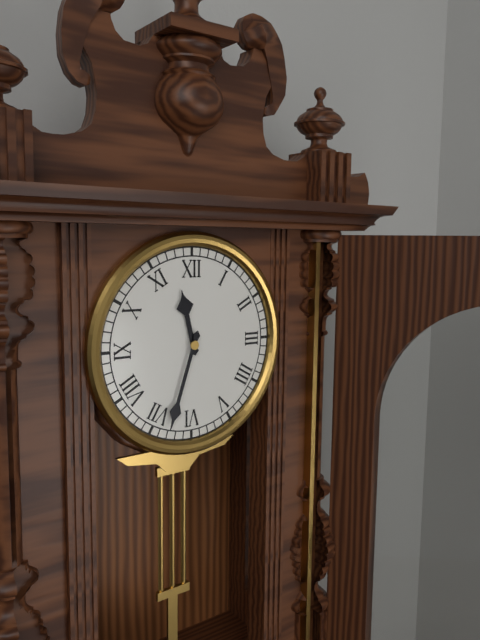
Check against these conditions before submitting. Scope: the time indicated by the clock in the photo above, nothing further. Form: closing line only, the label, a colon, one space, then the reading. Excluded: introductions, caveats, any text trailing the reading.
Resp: 11:33
